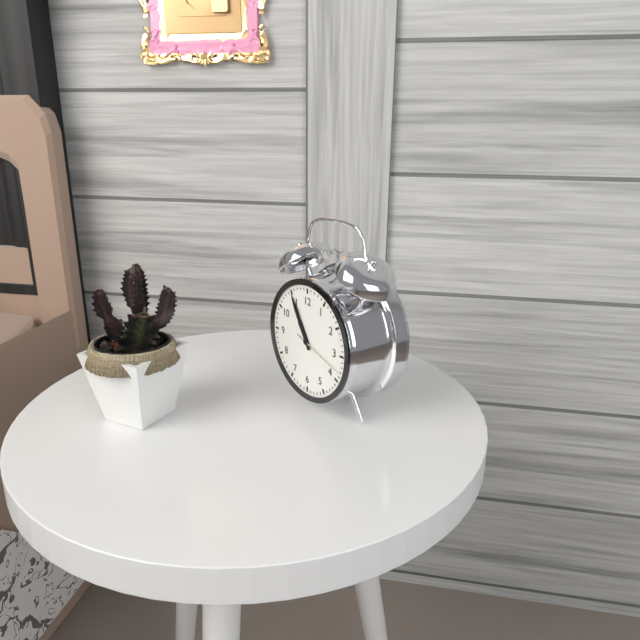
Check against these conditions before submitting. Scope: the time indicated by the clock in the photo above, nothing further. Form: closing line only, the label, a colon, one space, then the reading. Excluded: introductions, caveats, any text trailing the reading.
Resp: 10:55:18
